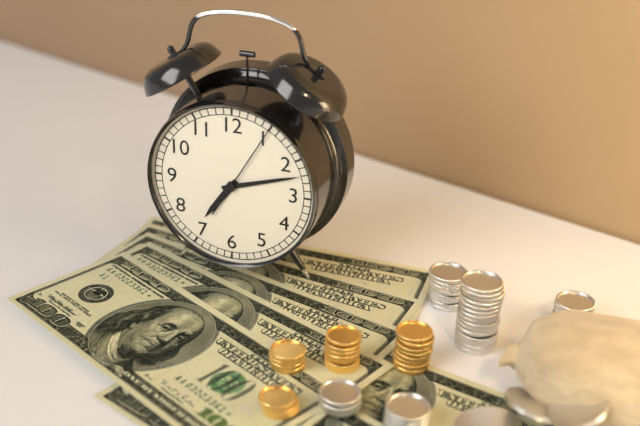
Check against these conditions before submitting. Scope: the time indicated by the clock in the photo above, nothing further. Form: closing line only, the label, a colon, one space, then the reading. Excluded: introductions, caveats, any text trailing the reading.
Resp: 7:12:05
